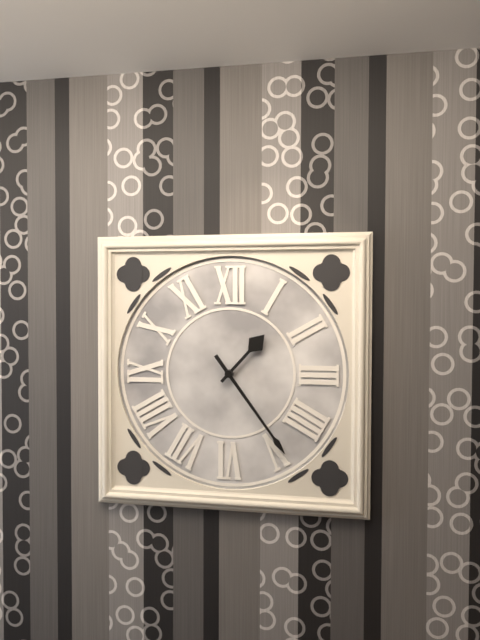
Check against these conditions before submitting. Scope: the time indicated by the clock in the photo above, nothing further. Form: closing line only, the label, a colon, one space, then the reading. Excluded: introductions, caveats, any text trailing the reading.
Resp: 1:24
